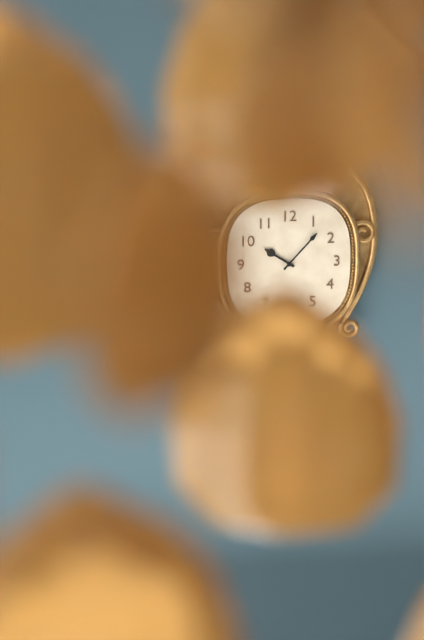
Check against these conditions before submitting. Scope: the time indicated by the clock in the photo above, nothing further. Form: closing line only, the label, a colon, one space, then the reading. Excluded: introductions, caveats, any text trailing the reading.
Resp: 10:07
